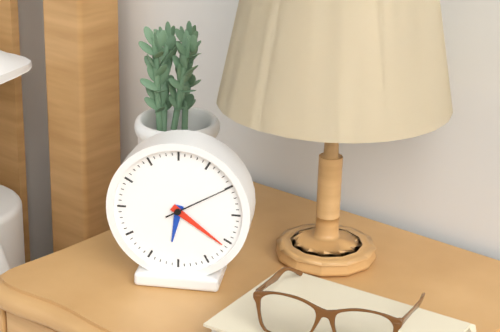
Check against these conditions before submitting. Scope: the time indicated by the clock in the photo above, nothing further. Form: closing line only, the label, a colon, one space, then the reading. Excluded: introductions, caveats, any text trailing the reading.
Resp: 6:21:10
